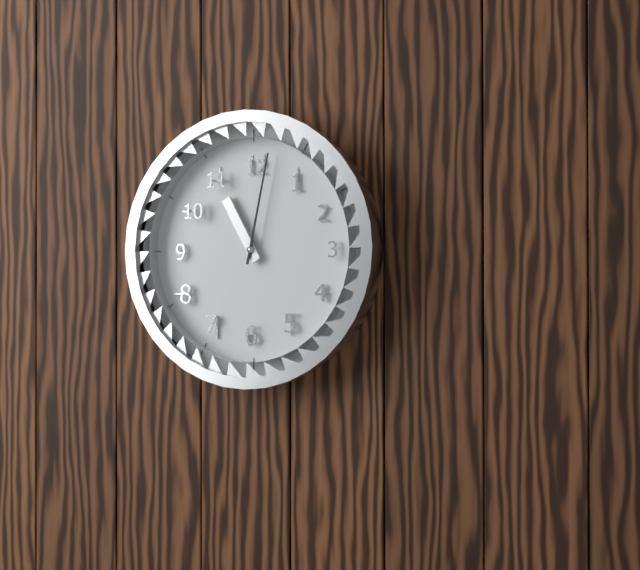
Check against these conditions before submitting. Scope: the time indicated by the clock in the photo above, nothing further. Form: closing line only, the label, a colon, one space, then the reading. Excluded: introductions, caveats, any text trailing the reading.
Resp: 11:02
